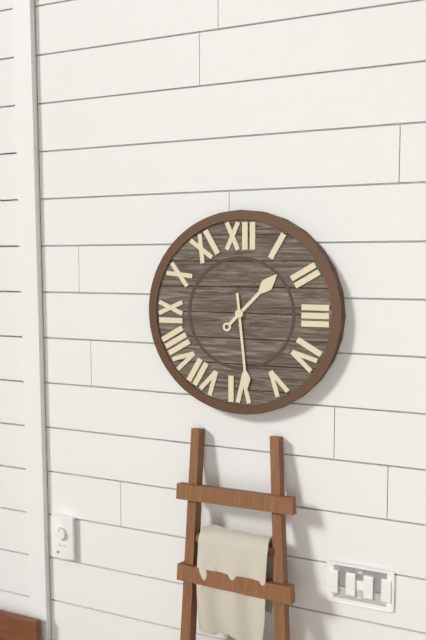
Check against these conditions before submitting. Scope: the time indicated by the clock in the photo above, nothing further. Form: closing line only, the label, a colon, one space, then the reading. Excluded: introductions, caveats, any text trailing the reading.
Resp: 1:29
